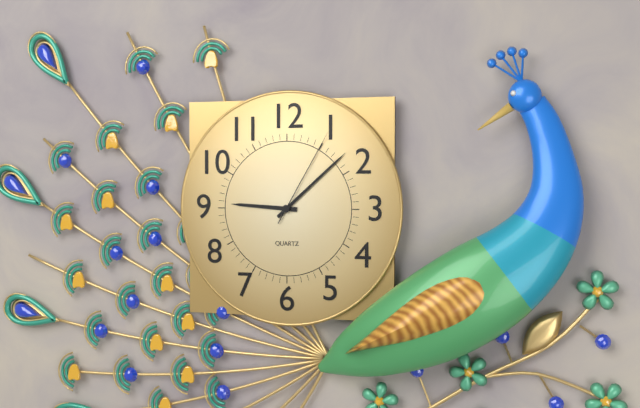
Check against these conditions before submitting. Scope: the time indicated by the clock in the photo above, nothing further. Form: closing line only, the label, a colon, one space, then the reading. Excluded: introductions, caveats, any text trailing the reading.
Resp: 9:08:05
